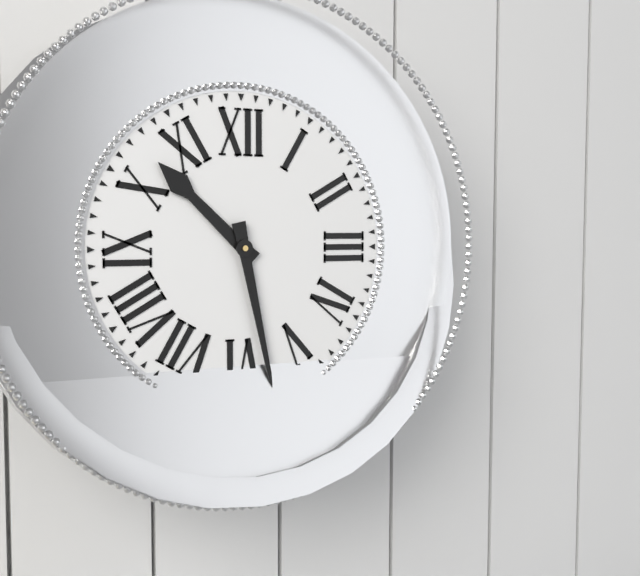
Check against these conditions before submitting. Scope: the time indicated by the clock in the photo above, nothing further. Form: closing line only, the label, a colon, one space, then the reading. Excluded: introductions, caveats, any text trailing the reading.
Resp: 10:28
